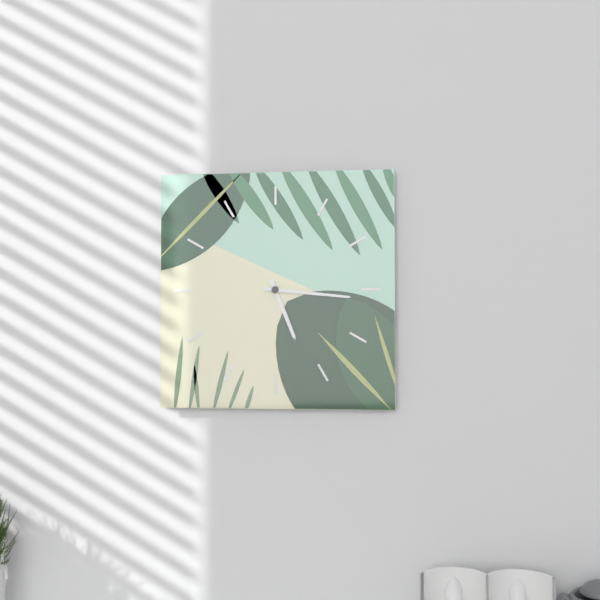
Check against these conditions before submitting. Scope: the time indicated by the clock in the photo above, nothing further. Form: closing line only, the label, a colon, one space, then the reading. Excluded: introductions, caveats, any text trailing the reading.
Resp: 5:16
